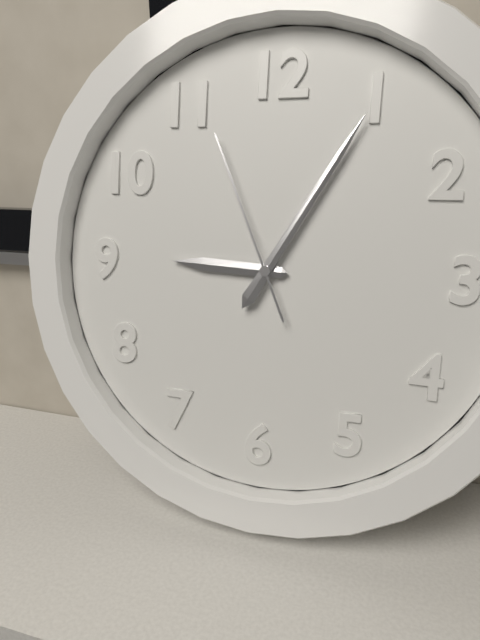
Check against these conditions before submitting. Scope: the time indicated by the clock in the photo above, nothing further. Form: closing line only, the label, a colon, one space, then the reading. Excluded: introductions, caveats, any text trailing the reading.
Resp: 9:05:56
